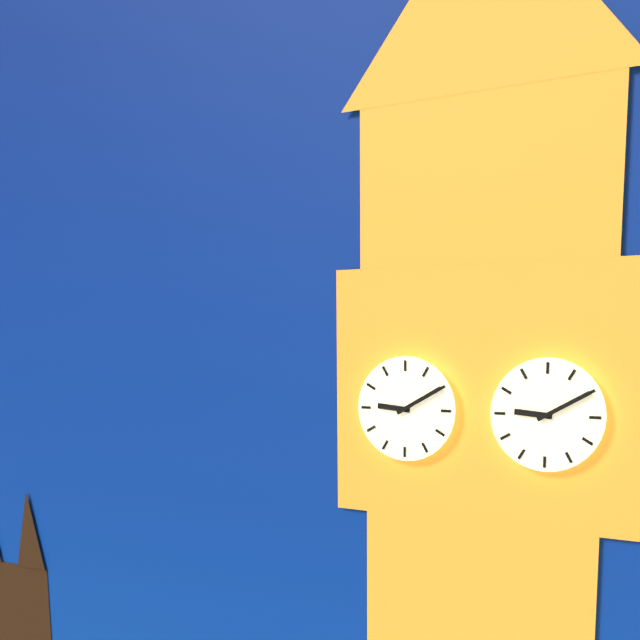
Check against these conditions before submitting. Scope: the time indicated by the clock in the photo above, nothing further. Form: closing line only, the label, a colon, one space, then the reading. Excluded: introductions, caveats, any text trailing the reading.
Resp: 9:10
